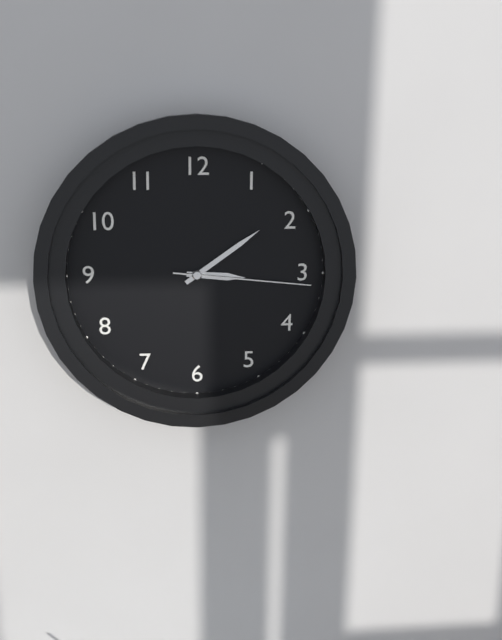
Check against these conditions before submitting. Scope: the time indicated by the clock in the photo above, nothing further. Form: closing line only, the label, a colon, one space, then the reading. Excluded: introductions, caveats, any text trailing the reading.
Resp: 3:09:16
